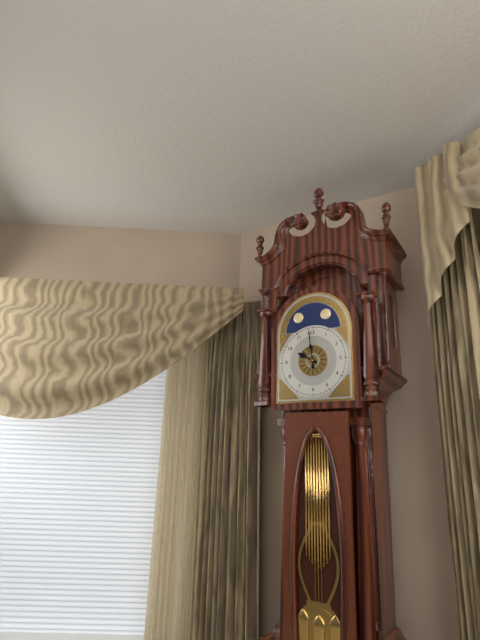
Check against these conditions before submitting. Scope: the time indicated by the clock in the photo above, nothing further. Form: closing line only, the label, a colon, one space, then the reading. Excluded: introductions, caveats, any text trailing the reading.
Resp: 9:59
